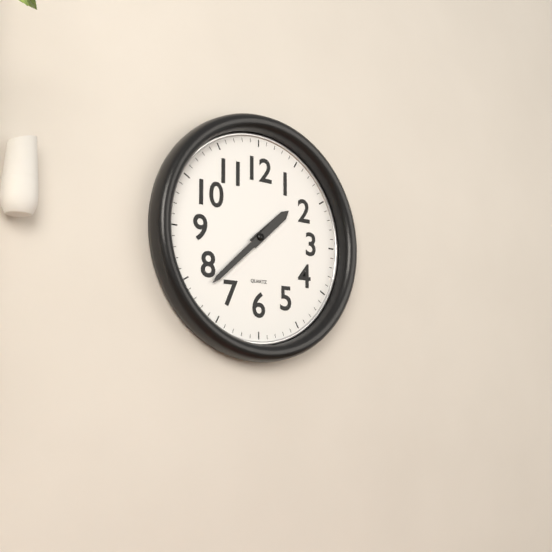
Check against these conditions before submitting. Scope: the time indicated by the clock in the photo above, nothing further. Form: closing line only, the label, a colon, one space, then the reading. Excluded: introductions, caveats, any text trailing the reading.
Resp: 1:38
